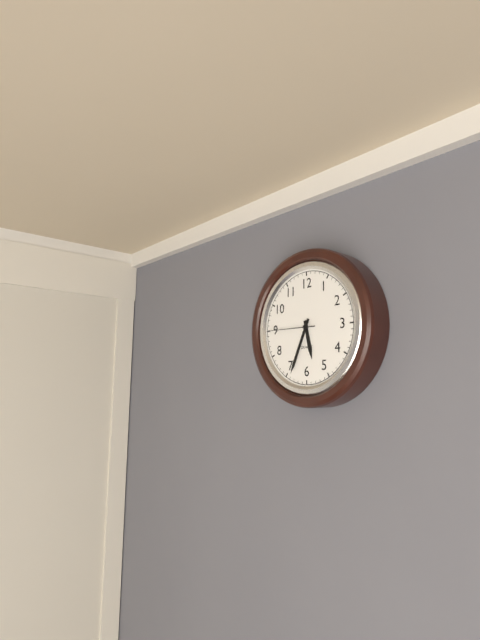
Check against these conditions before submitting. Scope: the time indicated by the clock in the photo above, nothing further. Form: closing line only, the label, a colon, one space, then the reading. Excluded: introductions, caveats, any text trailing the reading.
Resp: 5:34
